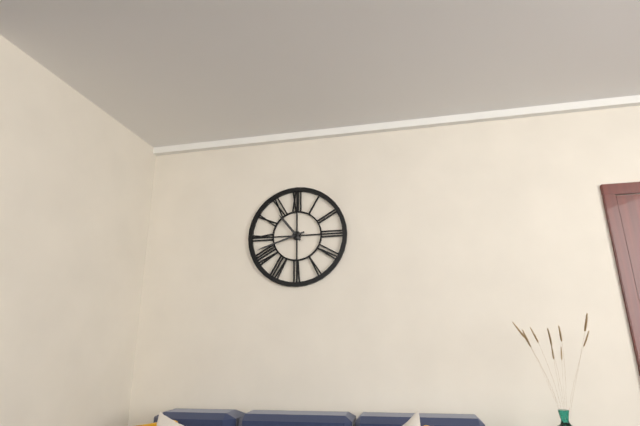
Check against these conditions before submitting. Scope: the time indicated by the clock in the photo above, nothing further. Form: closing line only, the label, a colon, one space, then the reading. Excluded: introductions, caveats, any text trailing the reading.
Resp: 10:42
